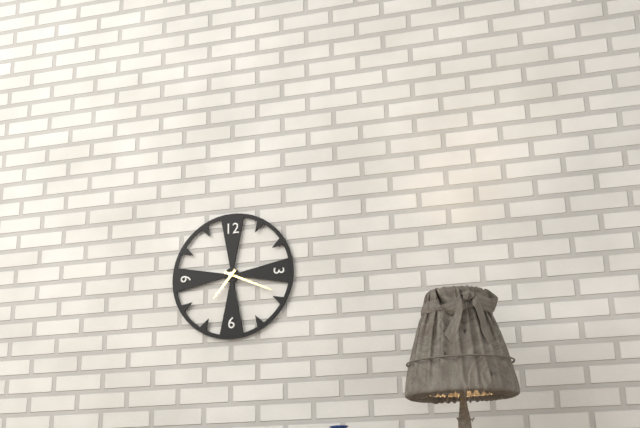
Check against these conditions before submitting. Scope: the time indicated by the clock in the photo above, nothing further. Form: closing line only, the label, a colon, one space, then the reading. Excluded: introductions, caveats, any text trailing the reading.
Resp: 7:19
